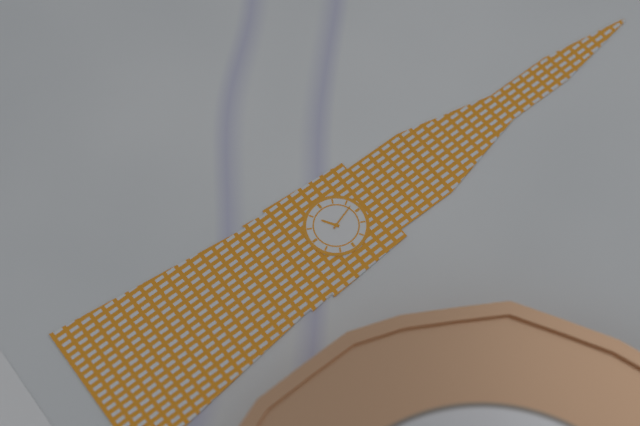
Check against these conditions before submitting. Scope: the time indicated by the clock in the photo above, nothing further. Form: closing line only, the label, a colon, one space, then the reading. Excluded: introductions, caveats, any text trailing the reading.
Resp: 7:57
